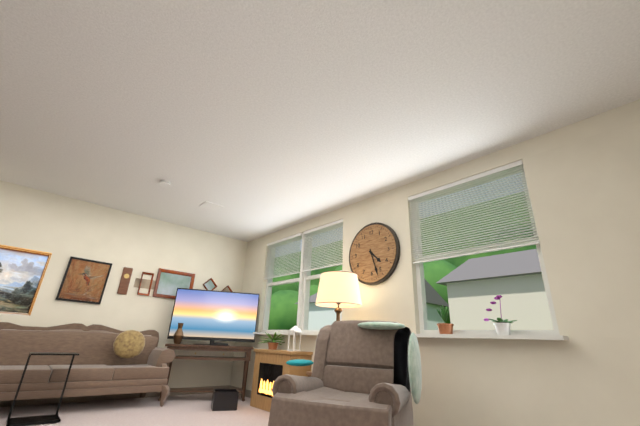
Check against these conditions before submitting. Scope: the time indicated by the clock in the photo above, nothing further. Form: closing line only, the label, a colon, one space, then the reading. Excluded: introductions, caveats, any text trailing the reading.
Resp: 4:27
